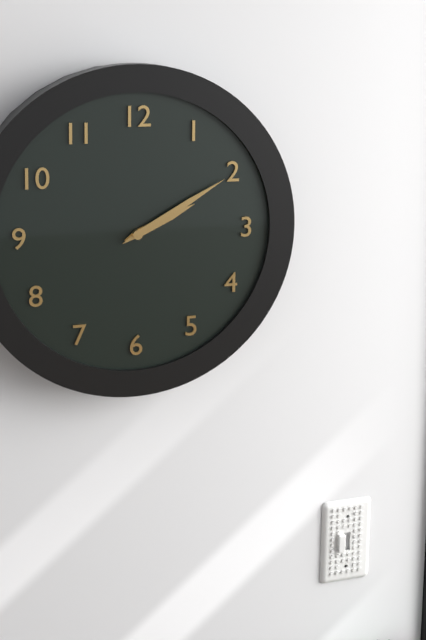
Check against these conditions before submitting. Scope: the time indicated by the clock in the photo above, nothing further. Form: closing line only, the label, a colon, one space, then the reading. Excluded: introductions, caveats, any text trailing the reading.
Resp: 2:10
